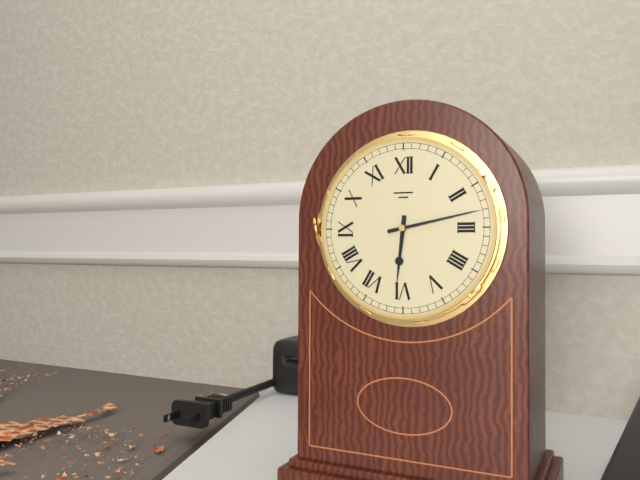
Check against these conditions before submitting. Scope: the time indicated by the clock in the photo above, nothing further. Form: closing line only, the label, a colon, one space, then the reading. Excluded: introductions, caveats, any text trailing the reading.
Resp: 6:13
